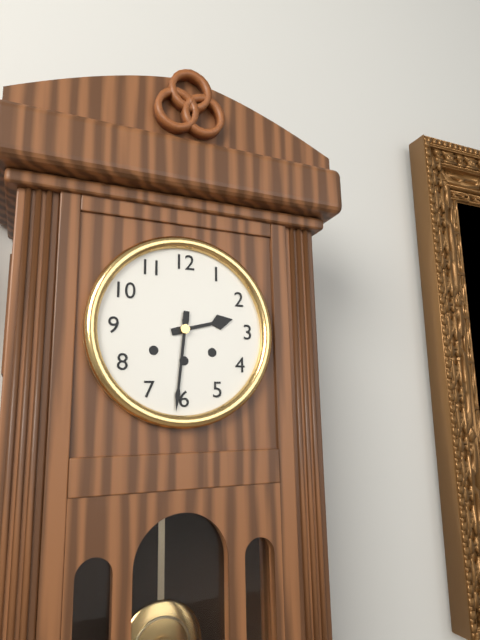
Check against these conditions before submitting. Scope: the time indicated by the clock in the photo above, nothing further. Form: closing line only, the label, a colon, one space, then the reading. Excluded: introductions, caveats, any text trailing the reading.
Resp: 2:31
